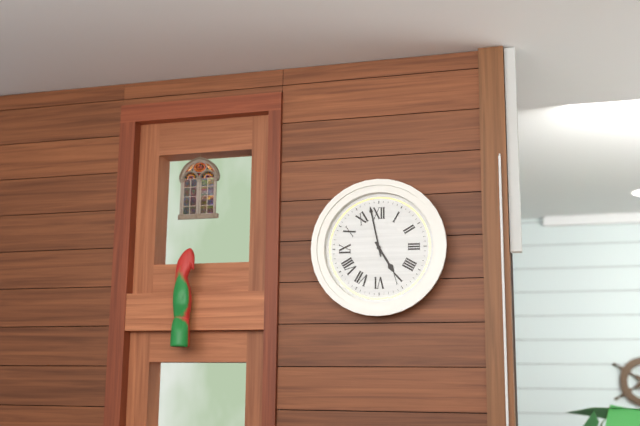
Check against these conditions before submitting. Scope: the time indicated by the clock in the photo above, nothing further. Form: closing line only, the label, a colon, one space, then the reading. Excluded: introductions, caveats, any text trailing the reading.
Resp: 4:58
